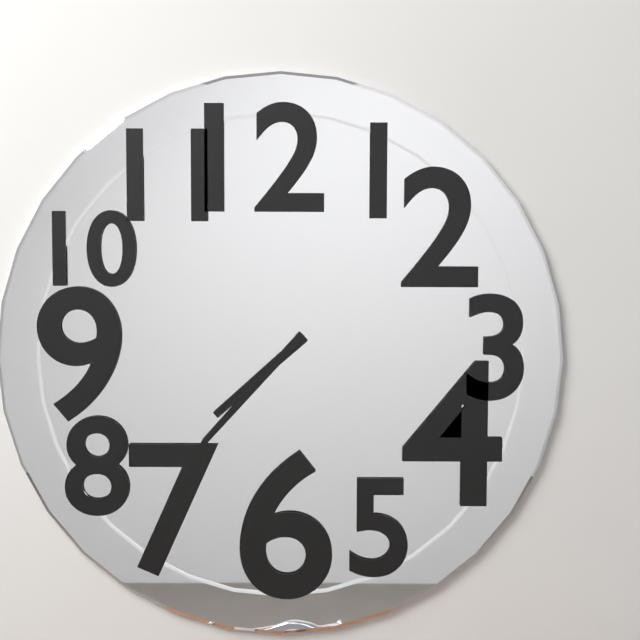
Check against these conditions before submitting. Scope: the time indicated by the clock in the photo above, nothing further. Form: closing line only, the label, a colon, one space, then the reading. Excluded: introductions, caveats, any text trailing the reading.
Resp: 7:37
